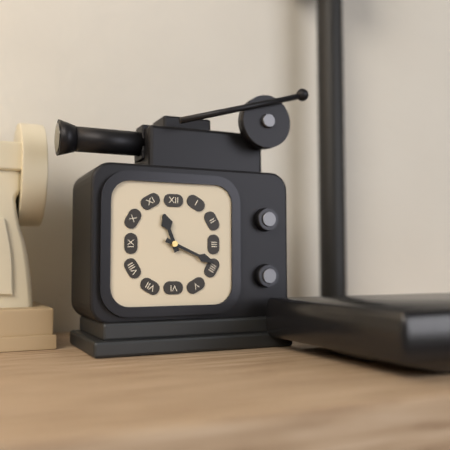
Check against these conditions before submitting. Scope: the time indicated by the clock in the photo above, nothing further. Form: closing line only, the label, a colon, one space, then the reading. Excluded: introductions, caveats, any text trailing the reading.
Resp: 11:19
